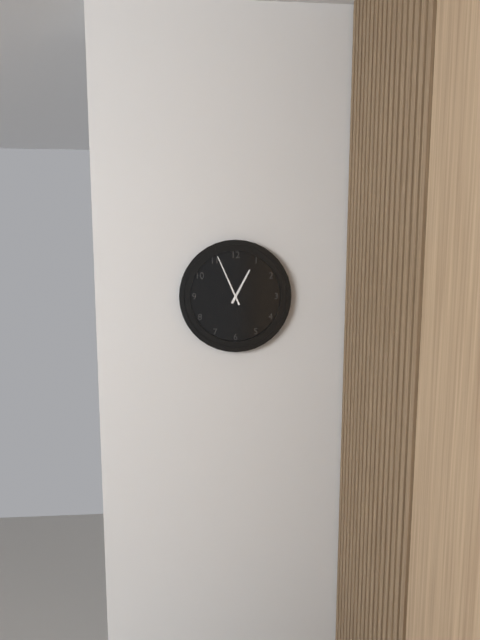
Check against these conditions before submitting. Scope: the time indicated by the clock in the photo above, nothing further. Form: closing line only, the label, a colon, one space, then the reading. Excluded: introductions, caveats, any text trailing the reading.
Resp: 12:56
